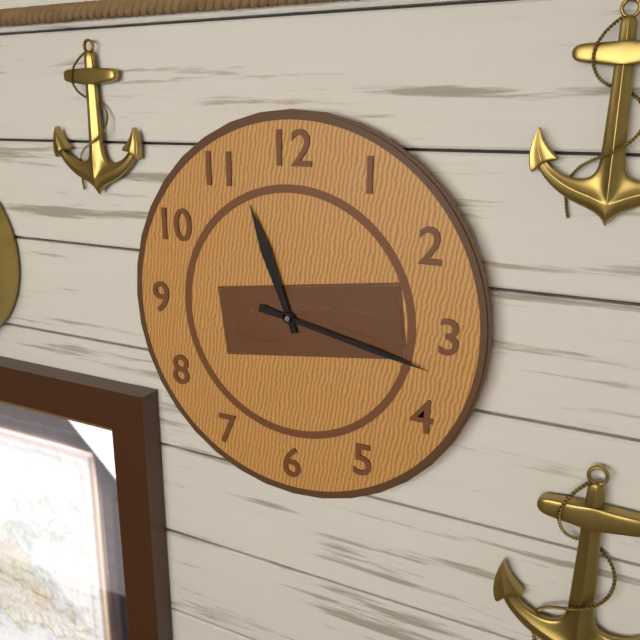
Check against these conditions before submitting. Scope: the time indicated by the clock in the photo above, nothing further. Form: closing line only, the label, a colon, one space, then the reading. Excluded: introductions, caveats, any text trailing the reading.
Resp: 11:17
